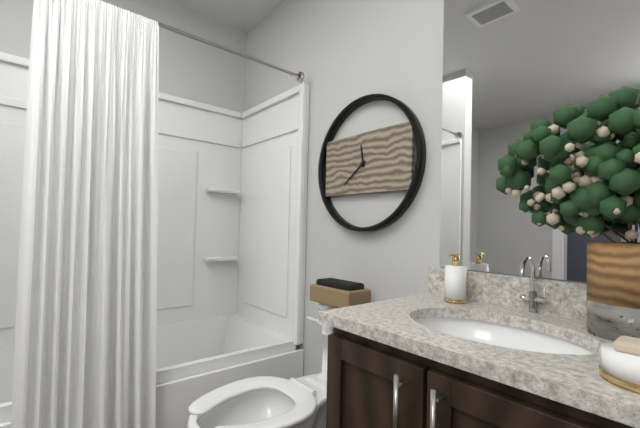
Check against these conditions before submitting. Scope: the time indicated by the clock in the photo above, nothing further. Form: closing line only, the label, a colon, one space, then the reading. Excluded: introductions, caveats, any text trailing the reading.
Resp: 11:39
